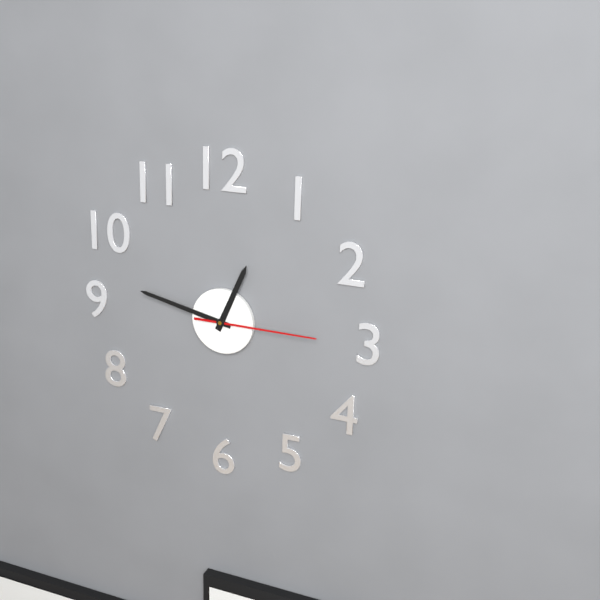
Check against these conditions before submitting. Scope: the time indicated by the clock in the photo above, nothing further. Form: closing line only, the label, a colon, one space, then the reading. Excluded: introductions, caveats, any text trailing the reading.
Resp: 12:47:15
